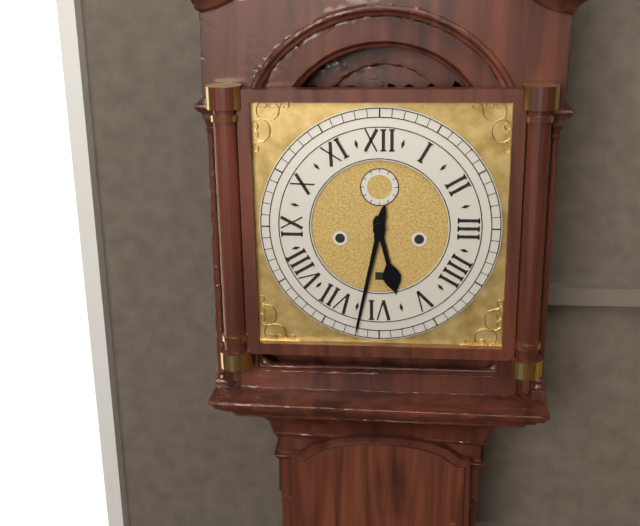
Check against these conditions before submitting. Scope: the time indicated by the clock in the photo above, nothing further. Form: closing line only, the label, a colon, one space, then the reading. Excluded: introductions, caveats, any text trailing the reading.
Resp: 5:32
